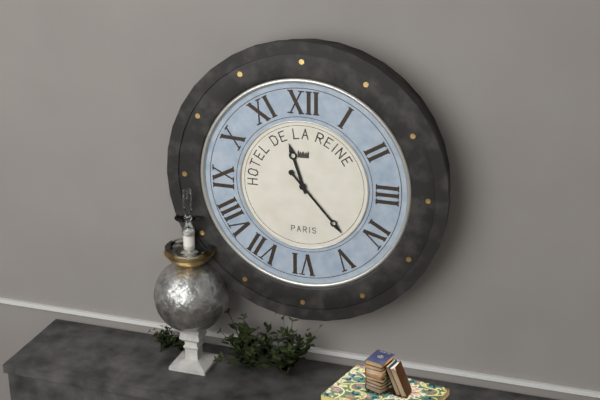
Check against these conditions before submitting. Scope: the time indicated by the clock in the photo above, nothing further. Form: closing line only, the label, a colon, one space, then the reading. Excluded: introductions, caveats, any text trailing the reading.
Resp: 11:23
